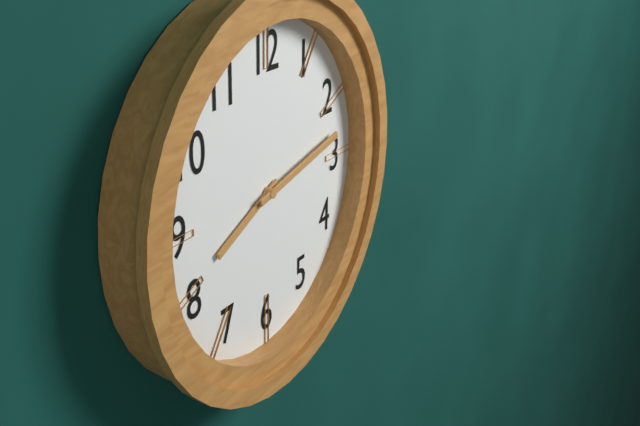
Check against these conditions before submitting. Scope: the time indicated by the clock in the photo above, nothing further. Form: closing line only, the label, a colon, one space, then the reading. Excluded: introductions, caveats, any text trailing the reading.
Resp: 8:13
